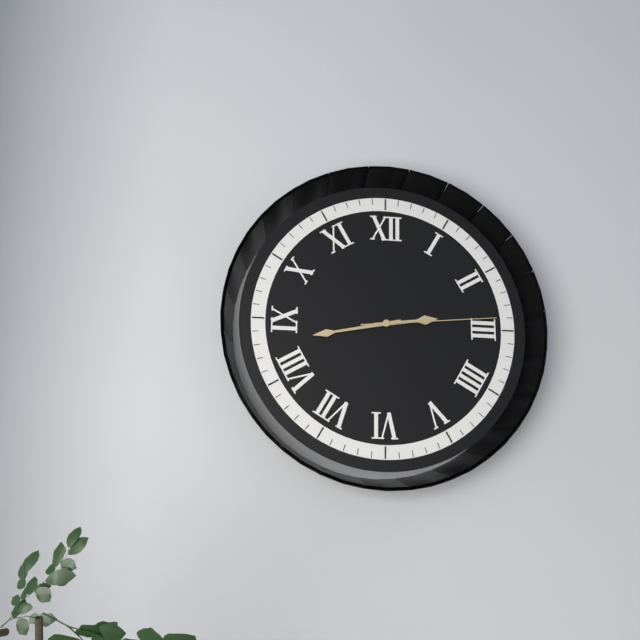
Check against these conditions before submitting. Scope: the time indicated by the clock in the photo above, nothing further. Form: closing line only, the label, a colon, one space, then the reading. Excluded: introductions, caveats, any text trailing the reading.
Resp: 2:43:14
